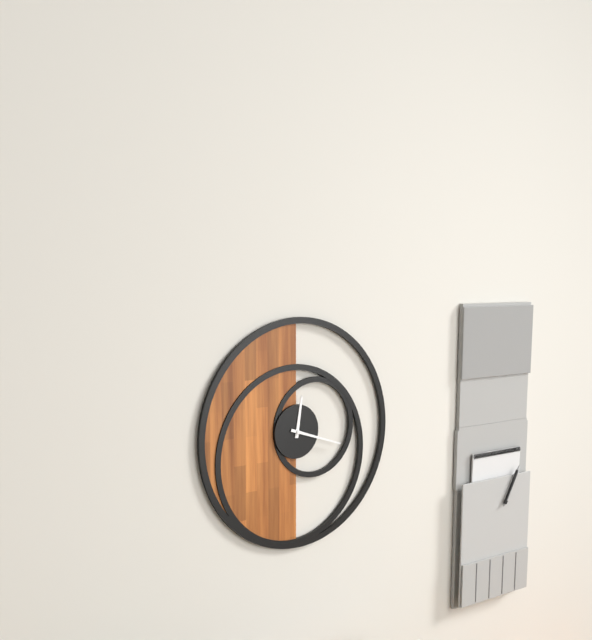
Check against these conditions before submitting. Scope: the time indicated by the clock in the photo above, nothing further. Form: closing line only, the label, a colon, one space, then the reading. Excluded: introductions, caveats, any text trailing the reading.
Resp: 12:18
